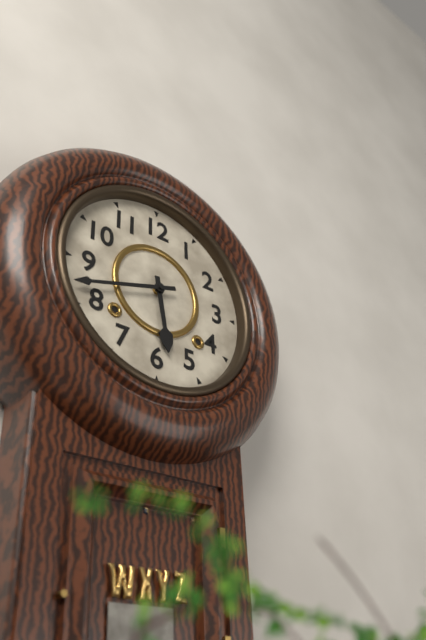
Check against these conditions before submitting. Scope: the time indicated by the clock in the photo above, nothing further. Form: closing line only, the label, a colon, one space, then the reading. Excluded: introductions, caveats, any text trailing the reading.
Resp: 5:42
